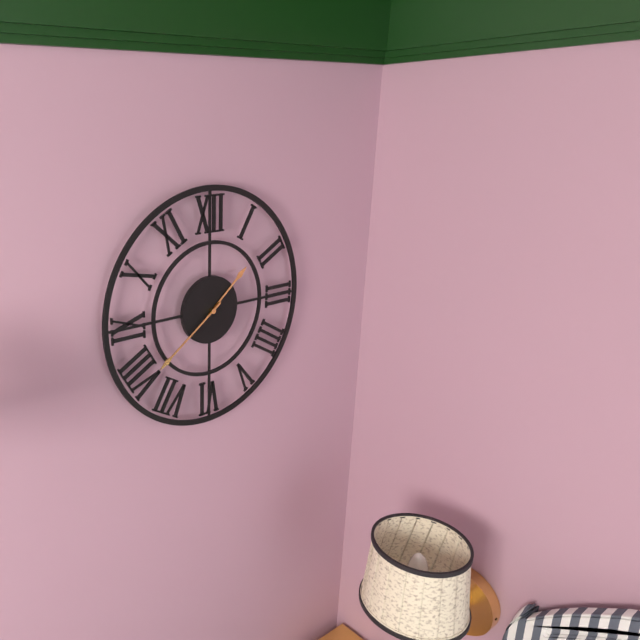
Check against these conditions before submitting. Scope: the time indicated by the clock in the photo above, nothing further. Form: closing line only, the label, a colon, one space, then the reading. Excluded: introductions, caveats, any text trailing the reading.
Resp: 1:39
